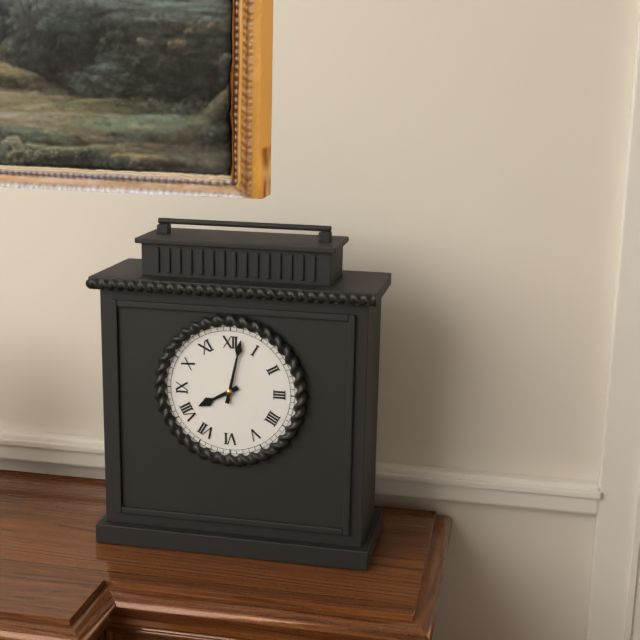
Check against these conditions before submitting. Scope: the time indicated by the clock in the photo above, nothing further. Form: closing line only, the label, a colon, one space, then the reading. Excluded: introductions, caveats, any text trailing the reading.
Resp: 8:02
